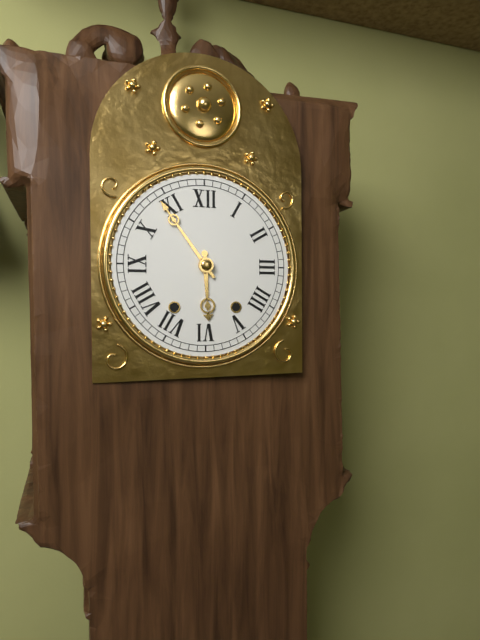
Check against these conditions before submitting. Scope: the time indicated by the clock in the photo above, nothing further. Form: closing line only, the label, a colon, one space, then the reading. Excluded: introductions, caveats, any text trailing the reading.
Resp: 5:54
